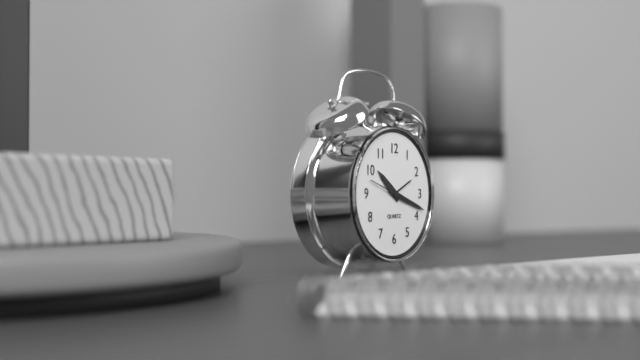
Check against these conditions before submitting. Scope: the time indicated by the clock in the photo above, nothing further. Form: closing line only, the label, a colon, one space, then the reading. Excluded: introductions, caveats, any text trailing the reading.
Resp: 10:18
